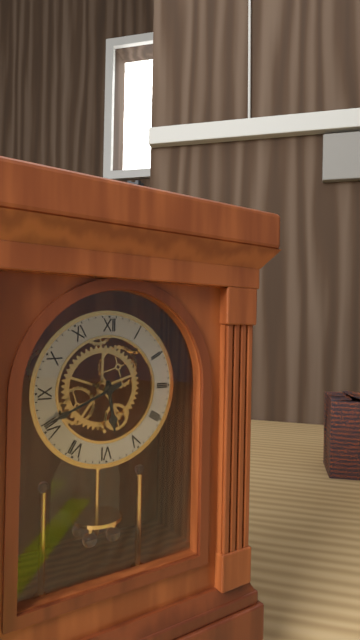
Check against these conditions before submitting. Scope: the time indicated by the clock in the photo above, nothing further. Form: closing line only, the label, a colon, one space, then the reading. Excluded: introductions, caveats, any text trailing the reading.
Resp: 5:41
